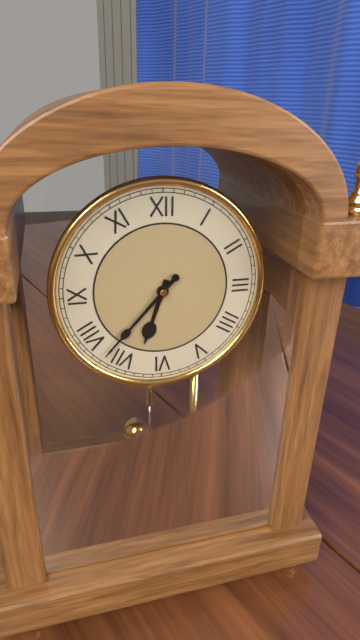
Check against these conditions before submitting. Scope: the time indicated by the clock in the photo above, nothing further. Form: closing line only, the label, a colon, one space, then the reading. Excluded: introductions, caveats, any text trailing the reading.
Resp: 6:37
